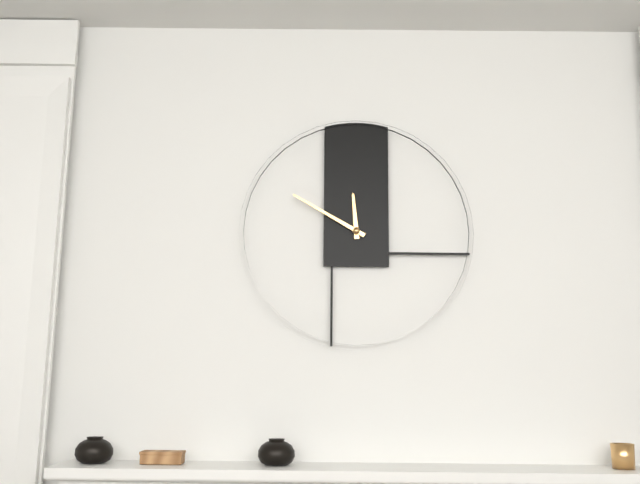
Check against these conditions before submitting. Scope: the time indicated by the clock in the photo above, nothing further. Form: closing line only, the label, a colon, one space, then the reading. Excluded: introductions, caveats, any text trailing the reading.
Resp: 11:50
